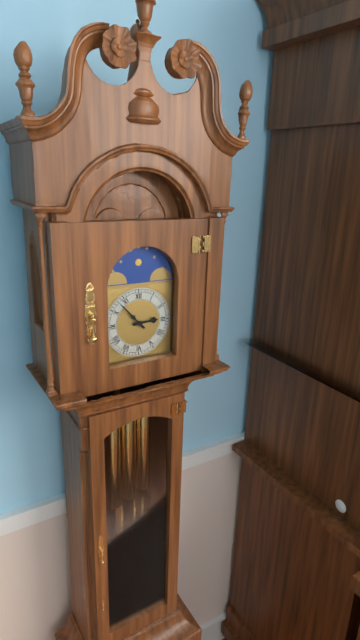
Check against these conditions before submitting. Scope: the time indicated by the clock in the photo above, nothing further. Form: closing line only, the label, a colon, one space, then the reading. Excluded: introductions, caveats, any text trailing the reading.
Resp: 2:53
